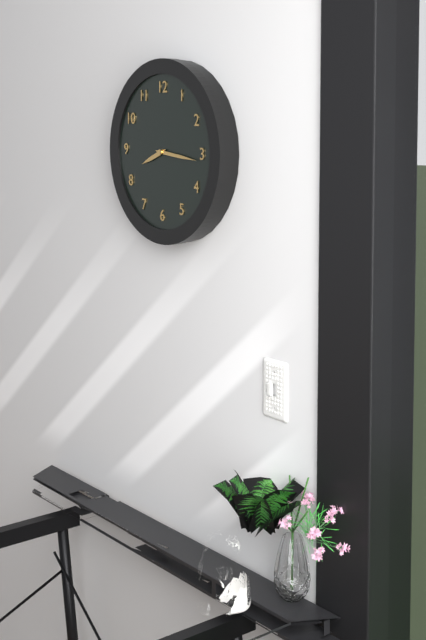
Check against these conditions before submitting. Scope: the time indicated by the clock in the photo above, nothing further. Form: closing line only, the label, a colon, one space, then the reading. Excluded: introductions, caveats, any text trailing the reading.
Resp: 8:16
